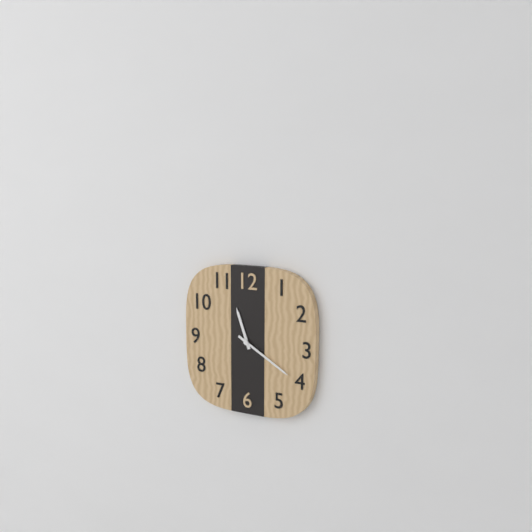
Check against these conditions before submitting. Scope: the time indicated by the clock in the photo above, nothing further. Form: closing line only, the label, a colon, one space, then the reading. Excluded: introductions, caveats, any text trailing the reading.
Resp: 11:20
